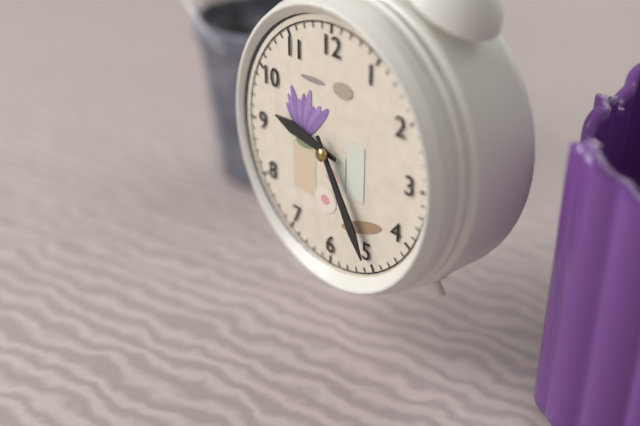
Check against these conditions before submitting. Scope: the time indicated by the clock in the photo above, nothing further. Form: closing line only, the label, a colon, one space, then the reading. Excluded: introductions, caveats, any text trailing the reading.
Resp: 9:25
